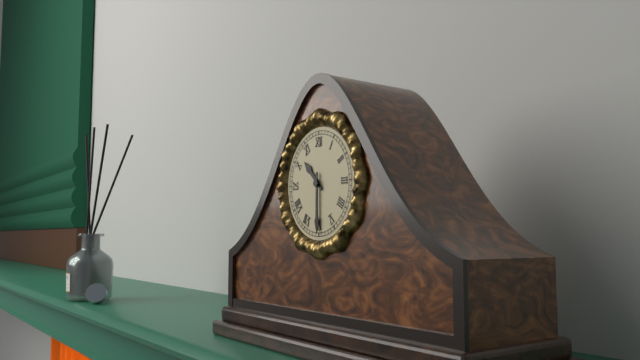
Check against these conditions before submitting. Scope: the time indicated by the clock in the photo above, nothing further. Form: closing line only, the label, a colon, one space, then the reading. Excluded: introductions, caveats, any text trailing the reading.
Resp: 10:30
